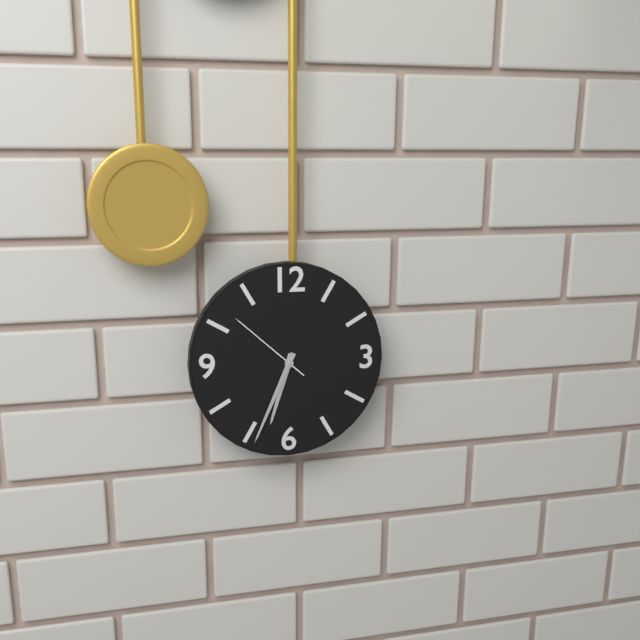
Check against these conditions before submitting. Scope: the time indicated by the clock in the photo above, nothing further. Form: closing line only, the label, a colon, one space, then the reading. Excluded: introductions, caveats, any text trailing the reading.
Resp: 6:34:52
